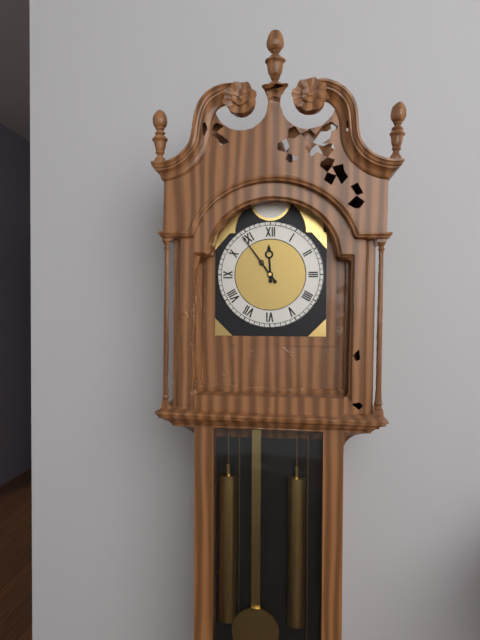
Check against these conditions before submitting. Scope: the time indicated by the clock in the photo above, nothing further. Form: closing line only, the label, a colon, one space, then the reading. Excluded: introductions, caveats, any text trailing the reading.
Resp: 11:54
